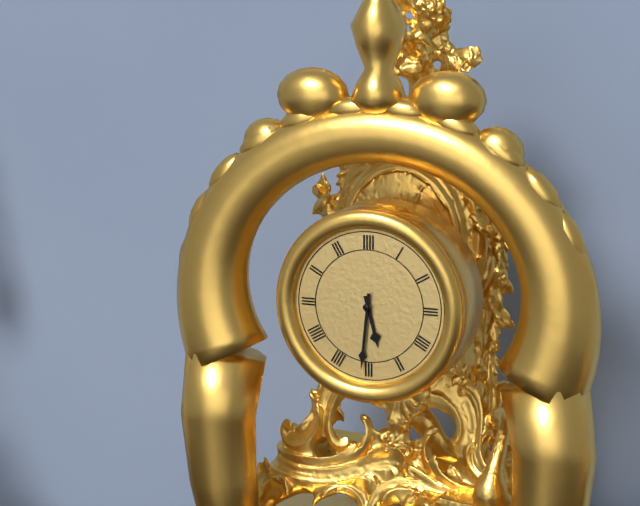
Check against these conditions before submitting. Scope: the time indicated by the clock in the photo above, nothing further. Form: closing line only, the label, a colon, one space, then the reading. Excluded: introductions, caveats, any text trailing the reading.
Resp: 5:31
